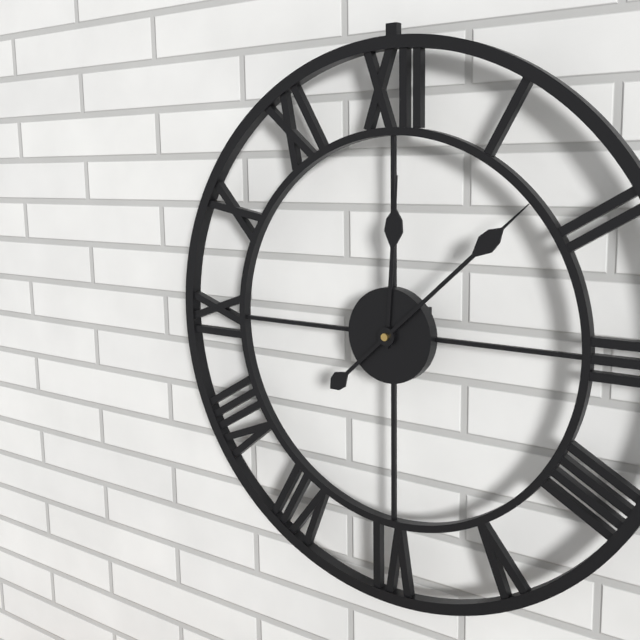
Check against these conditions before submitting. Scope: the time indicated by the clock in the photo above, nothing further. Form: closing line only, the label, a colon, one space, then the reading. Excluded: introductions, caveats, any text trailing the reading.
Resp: 12:08
